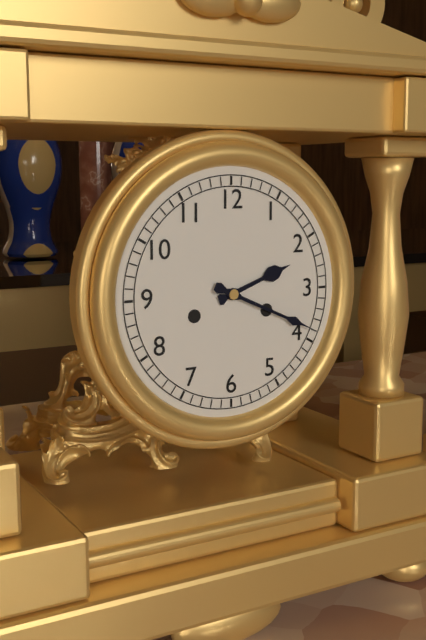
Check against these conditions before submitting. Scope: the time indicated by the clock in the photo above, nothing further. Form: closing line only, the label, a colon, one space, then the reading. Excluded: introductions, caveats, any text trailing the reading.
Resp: 2:19
